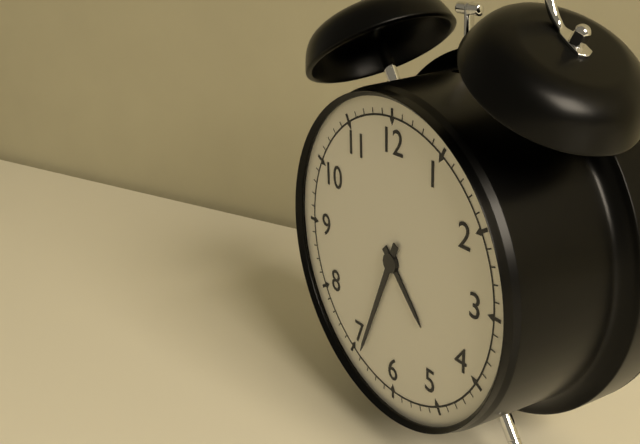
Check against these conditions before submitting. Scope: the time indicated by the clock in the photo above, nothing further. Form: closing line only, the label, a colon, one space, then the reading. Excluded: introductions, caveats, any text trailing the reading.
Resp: 4:34
